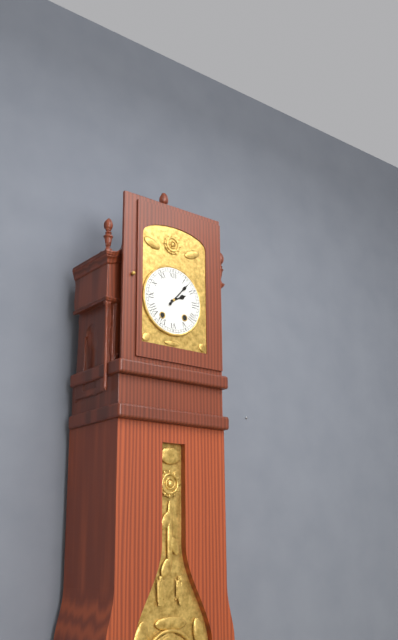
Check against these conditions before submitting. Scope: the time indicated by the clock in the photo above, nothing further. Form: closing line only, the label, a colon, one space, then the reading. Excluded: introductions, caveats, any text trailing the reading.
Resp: 2:07
